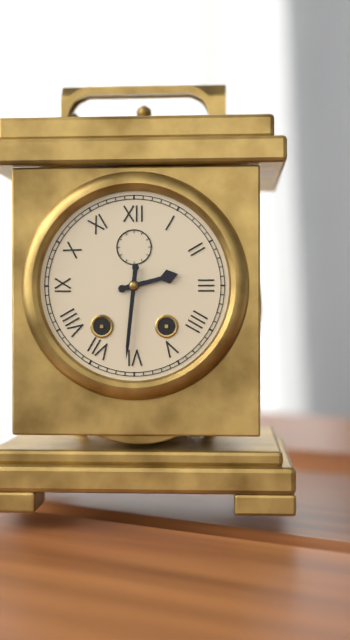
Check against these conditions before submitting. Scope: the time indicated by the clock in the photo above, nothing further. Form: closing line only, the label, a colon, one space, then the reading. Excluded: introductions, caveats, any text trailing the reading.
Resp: 2:31
